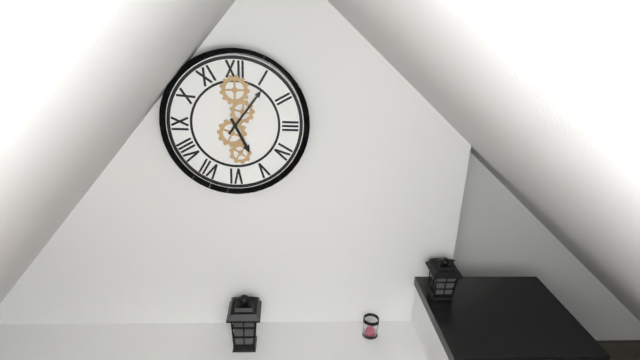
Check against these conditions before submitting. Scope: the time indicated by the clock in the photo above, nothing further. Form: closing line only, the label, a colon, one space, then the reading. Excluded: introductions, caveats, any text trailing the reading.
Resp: 5:06
